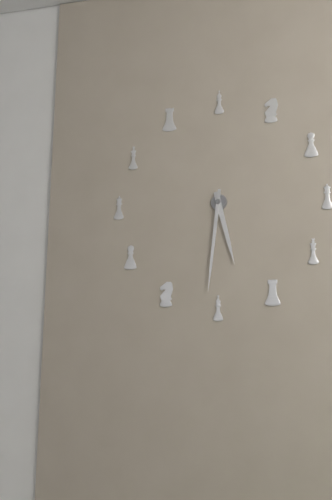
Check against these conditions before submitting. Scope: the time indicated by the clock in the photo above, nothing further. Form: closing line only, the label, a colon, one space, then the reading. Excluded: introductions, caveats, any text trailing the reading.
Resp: 5:31
